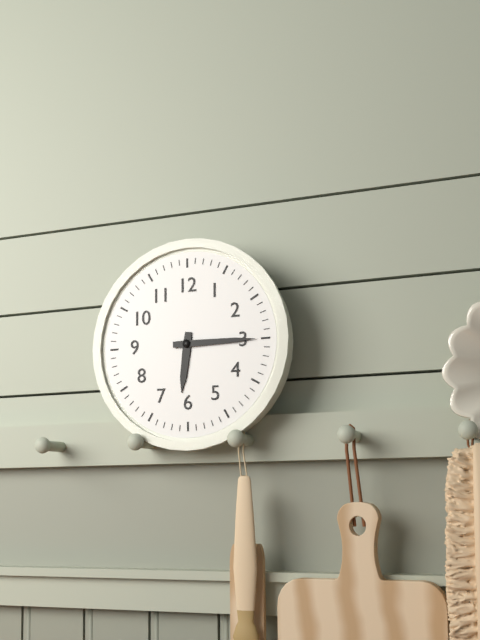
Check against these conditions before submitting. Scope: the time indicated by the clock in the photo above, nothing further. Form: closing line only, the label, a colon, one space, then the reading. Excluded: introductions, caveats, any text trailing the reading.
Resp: 6:15
